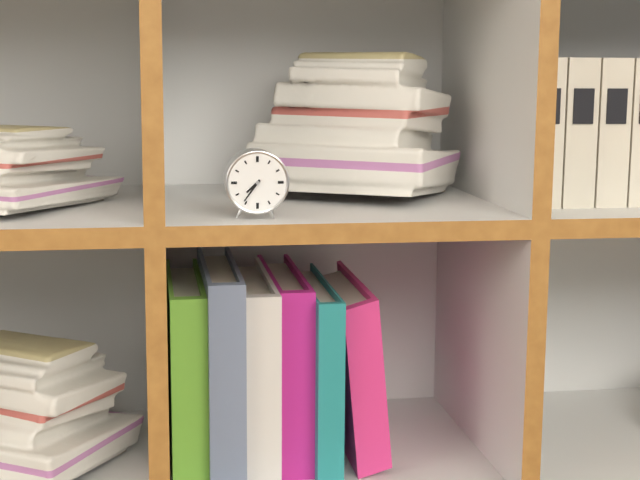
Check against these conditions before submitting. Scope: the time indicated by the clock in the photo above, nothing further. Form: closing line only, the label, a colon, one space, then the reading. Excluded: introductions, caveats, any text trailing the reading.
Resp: 7:36
